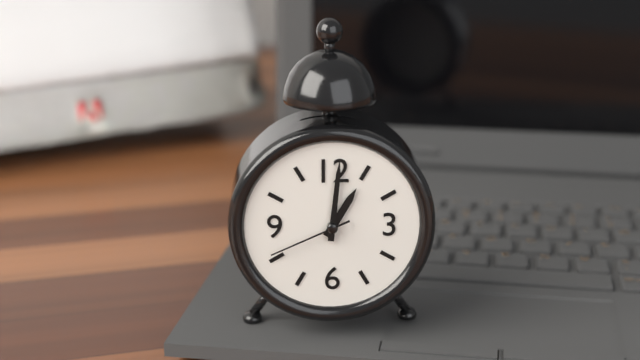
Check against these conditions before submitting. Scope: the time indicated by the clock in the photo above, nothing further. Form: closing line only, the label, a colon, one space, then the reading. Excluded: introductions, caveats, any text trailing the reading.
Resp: 1:01:41
